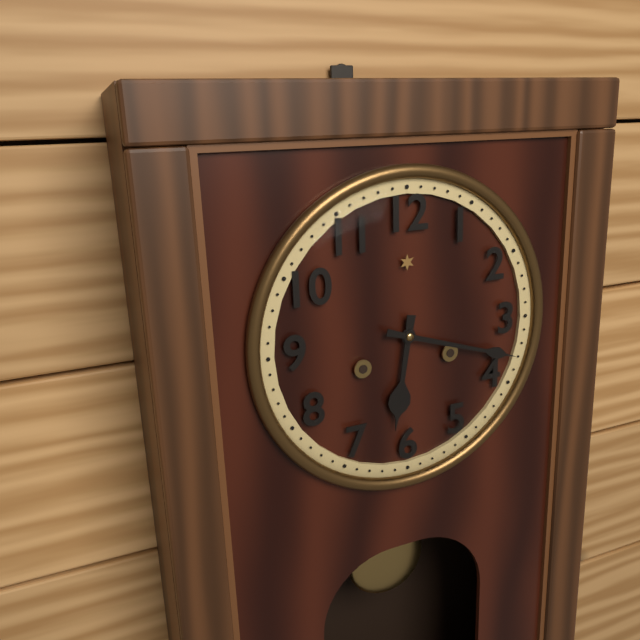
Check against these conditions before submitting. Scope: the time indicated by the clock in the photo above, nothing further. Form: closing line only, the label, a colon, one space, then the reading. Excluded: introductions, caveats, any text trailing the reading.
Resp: 6:18
